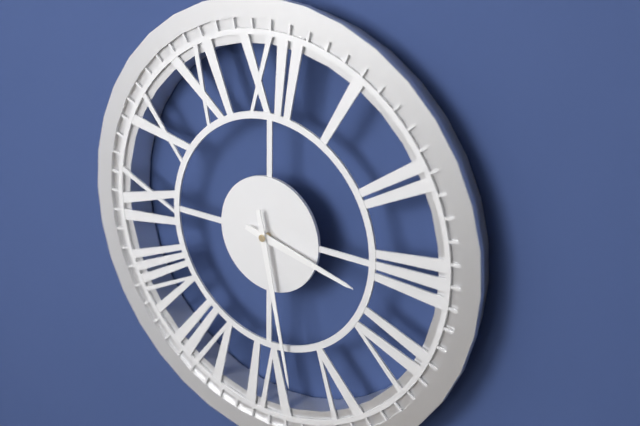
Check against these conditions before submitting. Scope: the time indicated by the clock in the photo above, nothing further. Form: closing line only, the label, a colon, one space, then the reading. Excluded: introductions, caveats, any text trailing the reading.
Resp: 3:28
